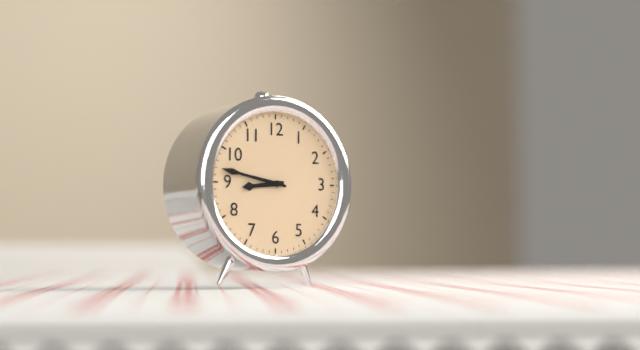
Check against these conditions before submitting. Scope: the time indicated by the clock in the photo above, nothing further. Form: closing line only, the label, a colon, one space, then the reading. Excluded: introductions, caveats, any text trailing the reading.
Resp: 8:47
